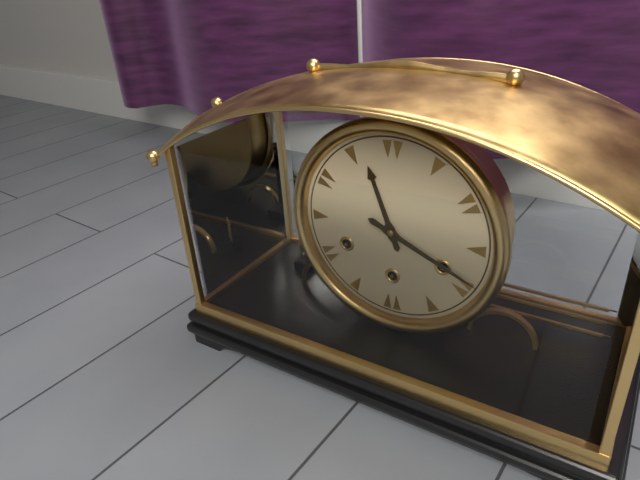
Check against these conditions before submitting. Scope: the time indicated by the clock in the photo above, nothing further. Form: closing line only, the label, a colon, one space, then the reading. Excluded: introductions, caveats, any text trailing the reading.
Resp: 11:19
